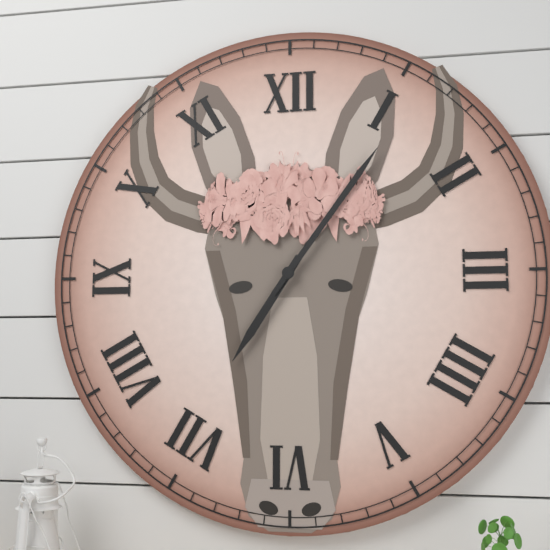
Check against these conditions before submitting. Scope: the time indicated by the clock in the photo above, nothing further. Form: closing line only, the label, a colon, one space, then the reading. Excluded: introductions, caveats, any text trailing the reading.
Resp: 7:06
